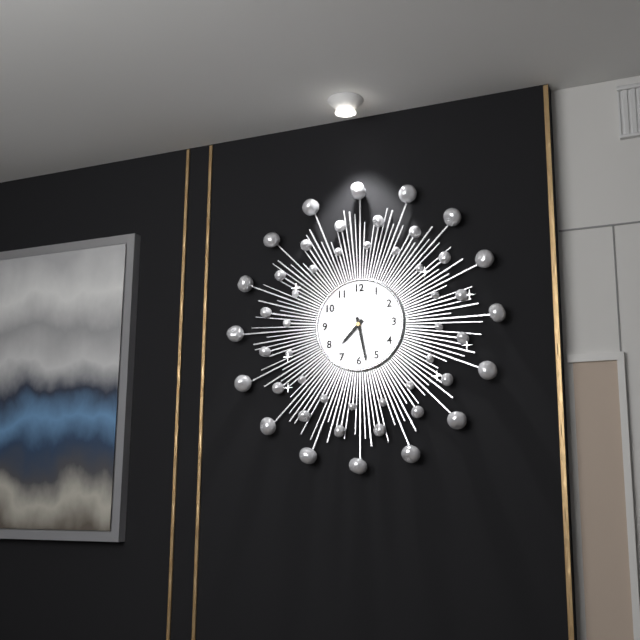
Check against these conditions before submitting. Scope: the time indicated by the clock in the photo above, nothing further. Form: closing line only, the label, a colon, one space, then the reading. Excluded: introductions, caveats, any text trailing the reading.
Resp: 7:28
